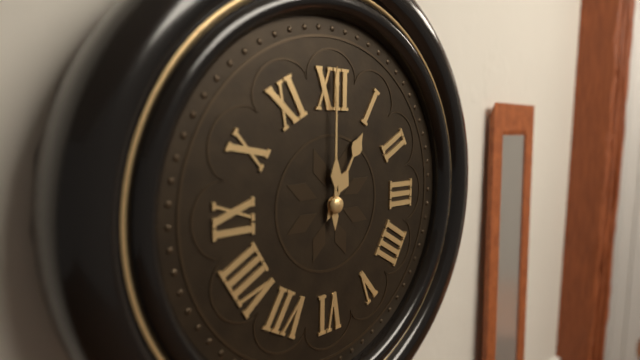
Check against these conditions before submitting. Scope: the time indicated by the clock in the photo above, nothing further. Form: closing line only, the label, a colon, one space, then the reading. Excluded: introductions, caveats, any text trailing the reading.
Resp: 1:00
